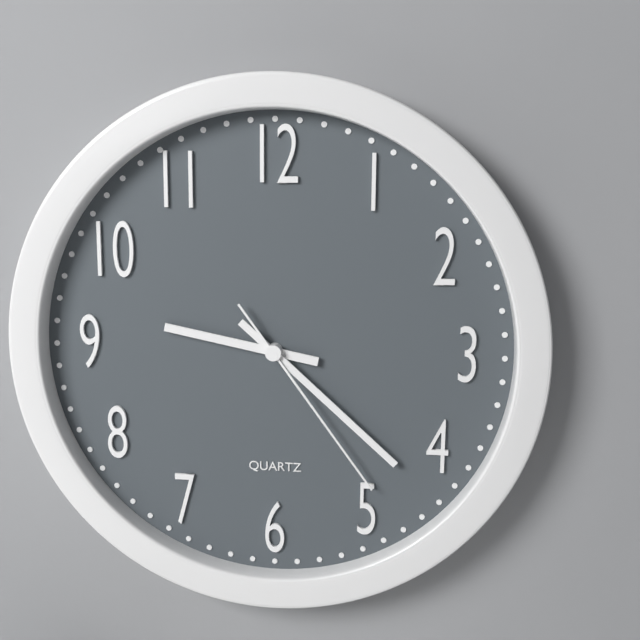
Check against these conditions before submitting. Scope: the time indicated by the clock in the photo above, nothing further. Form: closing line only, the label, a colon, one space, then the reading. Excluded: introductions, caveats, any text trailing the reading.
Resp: 9:22:24
